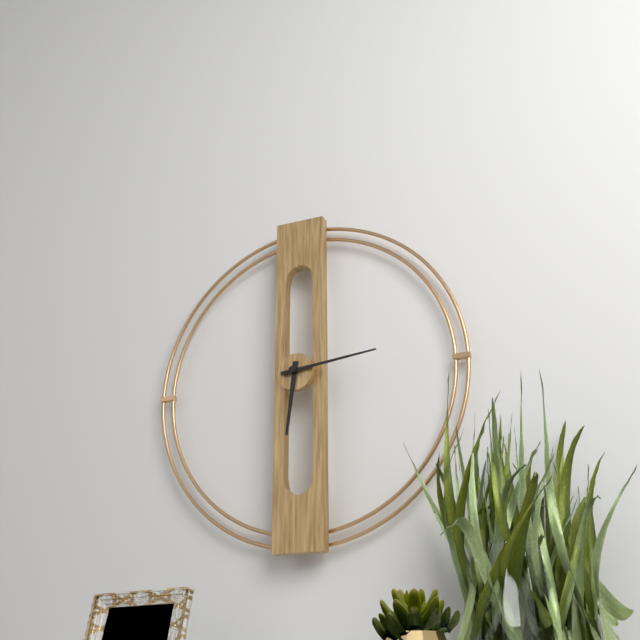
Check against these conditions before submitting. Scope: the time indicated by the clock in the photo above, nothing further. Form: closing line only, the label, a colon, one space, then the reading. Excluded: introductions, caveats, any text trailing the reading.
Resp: 6:14
